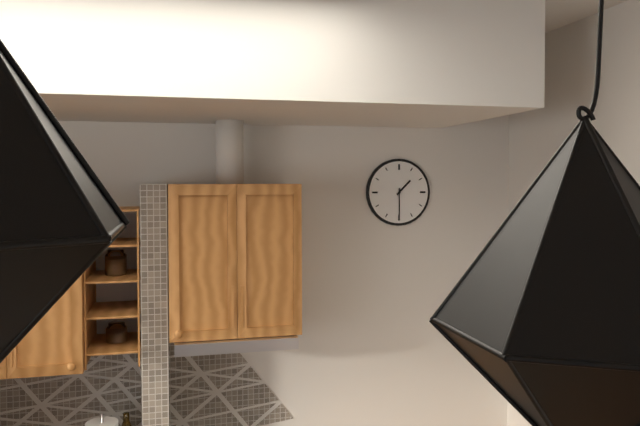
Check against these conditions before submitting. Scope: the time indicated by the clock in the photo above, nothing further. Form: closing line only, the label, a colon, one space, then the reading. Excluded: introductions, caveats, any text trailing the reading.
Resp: 1:30
